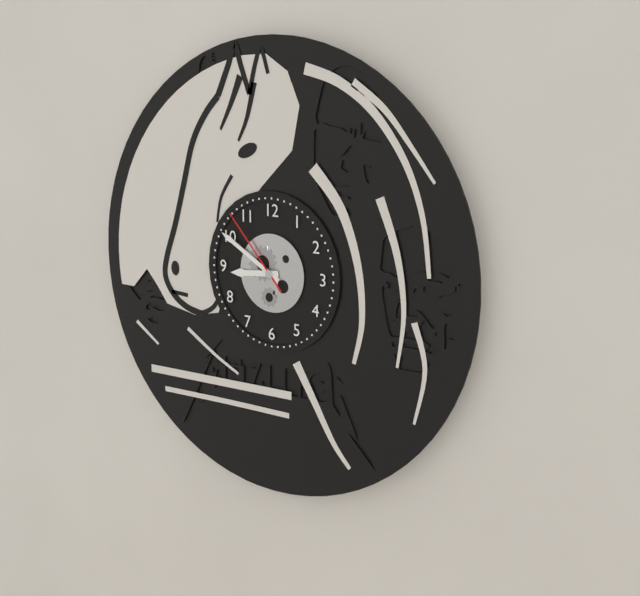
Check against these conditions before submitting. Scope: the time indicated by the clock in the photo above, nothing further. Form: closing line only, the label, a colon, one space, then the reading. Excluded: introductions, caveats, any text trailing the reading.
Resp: 8:50:53
